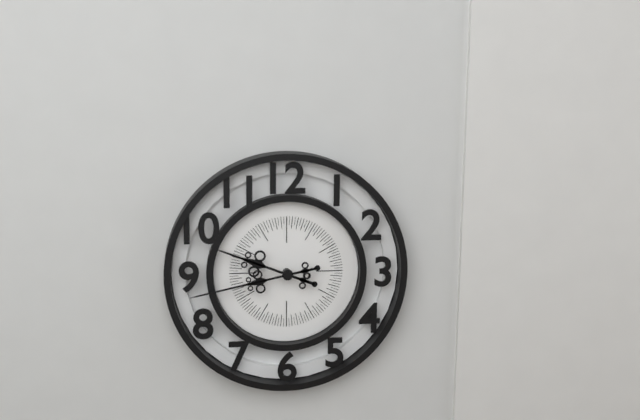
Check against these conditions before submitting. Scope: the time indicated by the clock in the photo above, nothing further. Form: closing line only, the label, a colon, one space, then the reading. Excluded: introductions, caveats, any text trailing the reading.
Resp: 9:43
